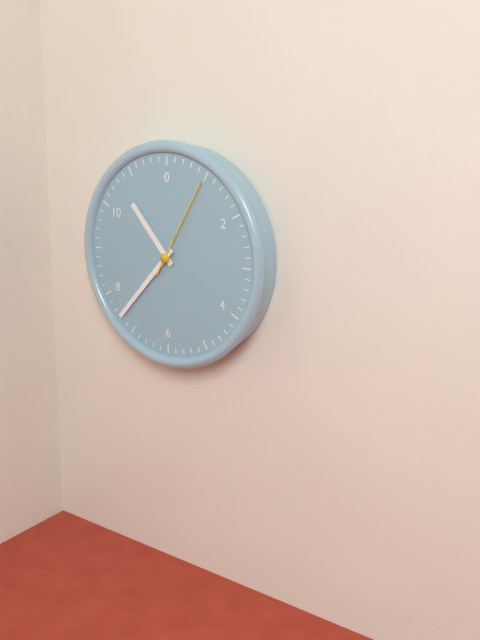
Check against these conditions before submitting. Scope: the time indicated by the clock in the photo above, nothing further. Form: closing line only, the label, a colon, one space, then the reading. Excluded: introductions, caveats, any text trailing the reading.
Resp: 10:37:05
